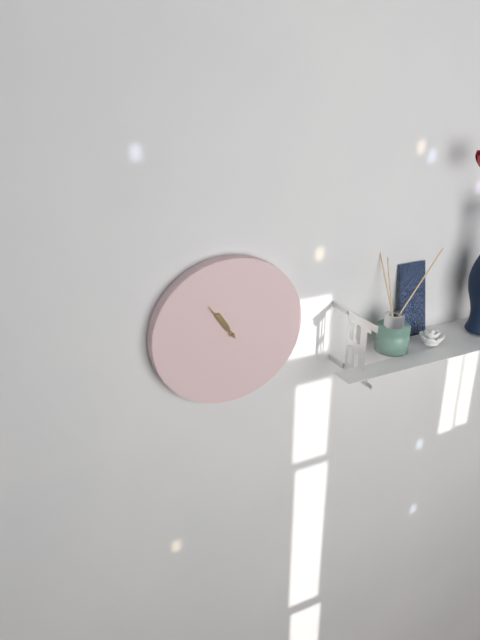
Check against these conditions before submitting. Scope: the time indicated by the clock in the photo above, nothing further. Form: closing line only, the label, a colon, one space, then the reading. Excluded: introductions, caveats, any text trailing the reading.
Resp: 10:54
